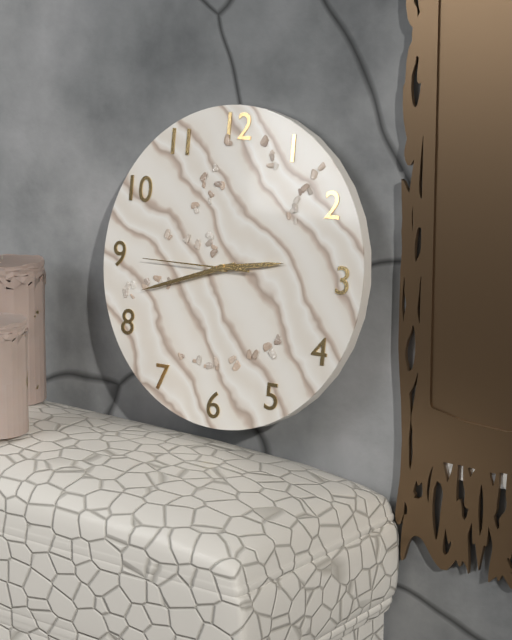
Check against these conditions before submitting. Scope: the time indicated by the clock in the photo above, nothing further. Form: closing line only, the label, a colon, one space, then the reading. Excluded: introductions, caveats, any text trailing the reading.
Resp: 2:42:45
